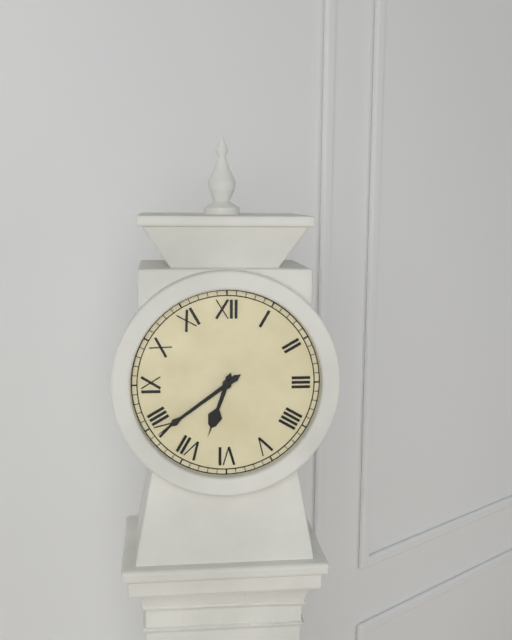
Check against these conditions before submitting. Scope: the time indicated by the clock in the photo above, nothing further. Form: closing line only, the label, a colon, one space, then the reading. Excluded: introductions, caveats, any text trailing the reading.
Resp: 6:39
